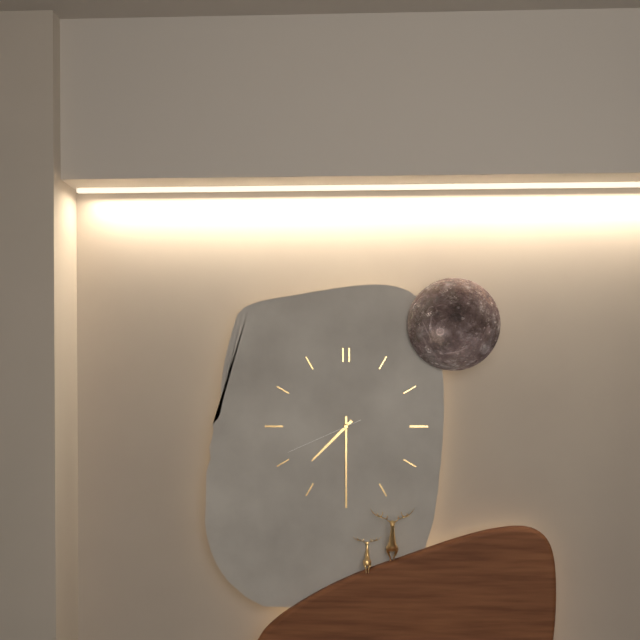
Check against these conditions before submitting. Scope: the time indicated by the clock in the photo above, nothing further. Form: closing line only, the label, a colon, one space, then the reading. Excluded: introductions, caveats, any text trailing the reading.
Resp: 7:30:41
